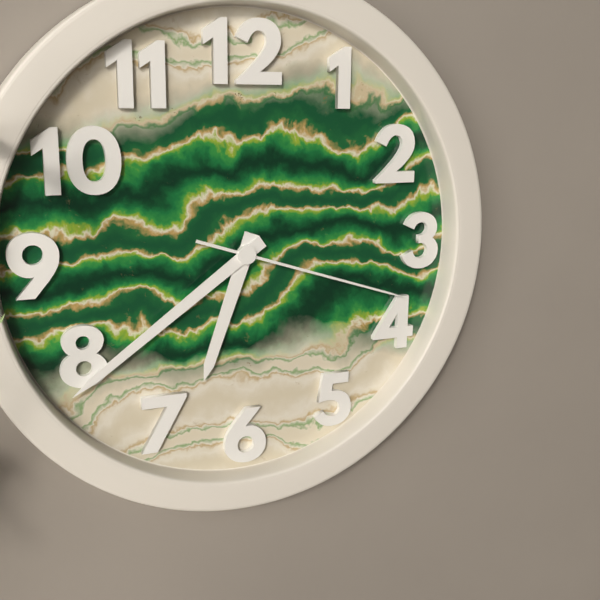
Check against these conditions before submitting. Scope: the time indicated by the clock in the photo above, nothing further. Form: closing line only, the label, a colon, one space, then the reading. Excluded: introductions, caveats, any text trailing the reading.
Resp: 6:39:18
